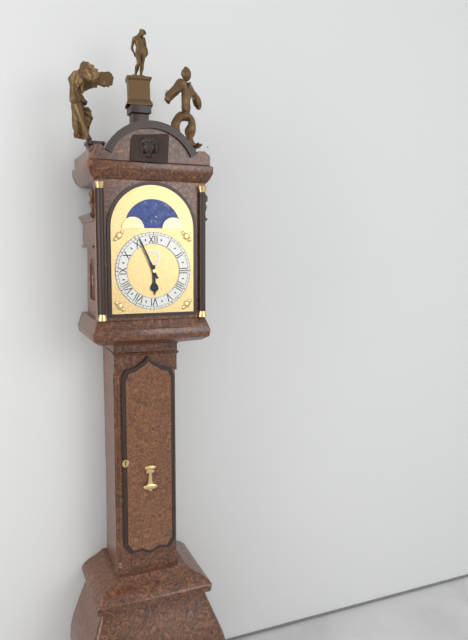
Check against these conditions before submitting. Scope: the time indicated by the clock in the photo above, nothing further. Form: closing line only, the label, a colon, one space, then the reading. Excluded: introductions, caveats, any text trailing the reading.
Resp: 5:56
